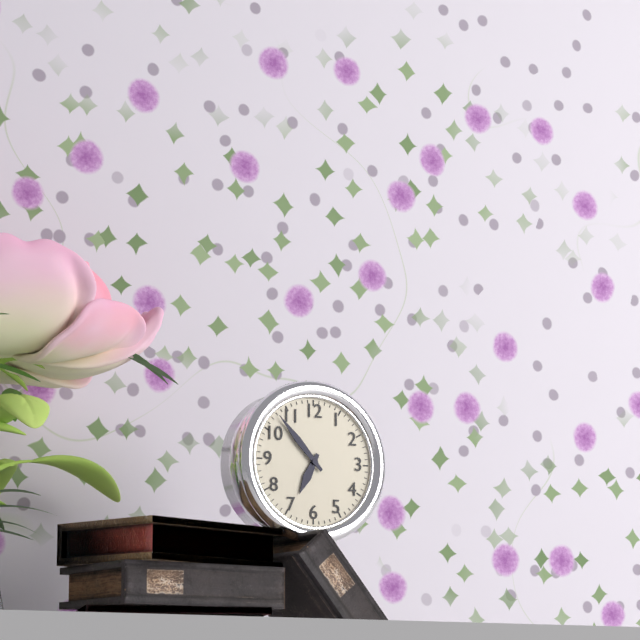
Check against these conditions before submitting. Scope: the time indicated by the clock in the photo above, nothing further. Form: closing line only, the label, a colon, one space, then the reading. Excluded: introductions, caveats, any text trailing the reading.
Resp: 6:53
